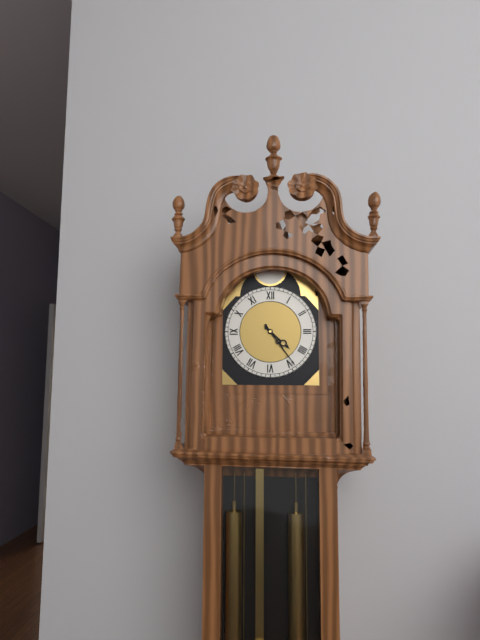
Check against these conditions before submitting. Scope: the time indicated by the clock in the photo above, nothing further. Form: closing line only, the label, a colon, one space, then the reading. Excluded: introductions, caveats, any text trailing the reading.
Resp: 4:24
